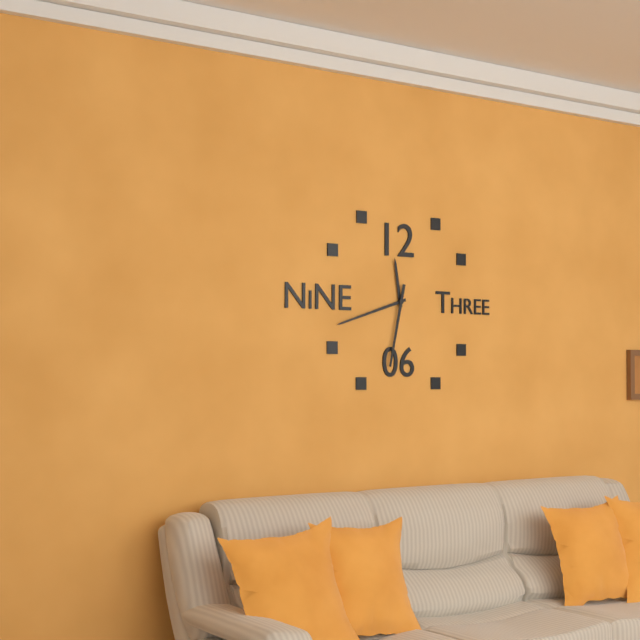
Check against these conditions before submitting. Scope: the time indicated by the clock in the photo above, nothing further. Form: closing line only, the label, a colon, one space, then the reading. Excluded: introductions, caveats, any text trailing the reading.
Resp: 11:42:32
